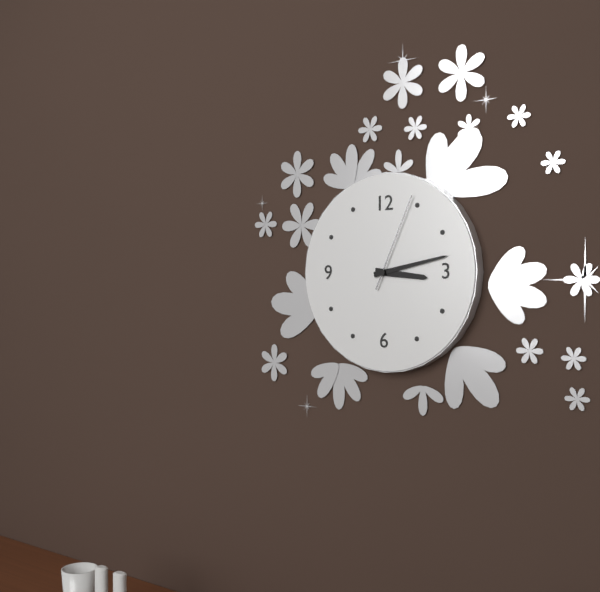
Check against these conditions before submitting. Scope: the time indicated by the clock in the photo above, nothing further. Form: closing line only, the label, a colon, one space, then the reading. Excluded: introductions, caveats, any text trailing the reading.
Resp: 3:13:04
